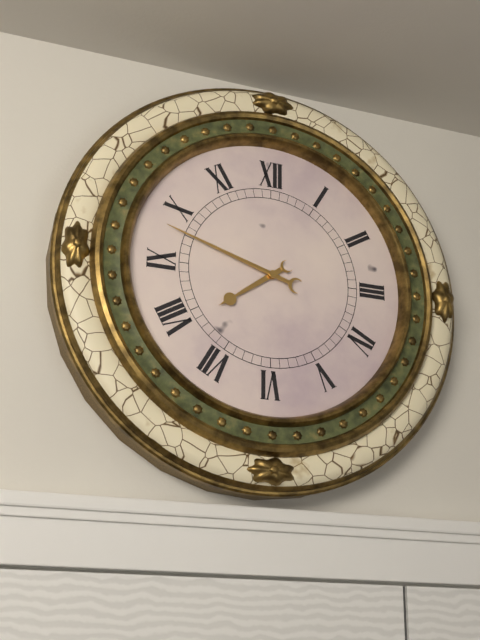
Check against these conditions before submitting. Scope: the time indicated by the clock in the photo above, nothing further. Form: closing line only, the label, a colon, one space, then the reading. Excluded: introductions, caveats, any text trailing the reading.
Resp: 7:48
